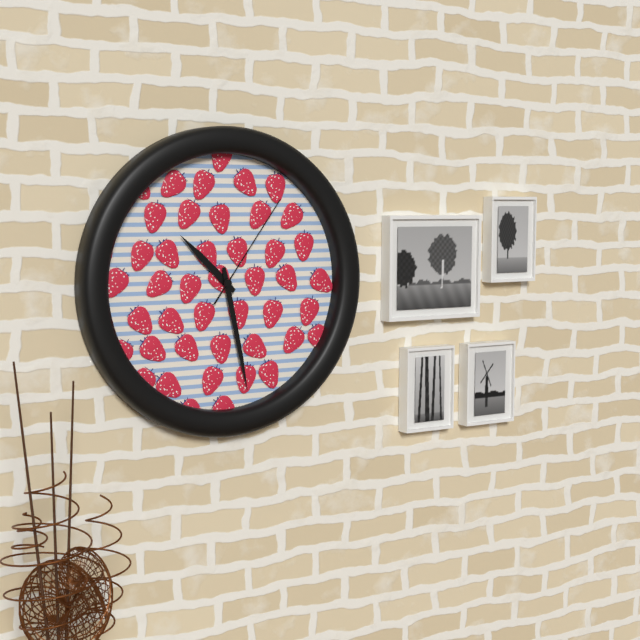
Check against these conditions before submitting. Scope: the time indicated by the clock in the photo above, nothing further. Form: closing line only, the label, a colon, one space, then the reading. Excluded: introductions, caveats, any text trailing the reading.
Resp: 10:28:06
